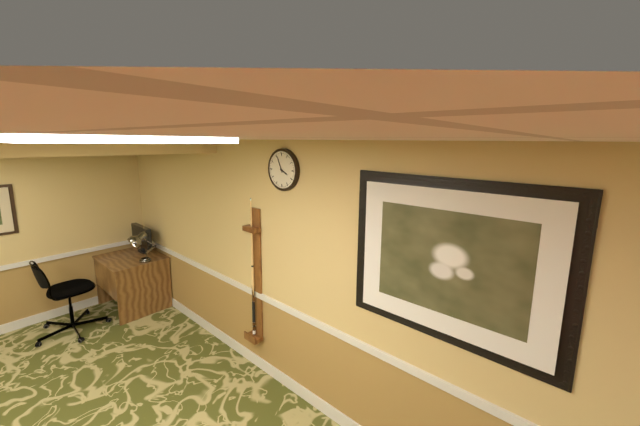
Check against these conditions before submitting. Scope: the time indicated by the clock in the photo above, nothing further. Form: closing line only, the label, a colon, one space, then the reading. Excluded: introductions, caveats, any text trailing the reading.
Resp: 3:56
